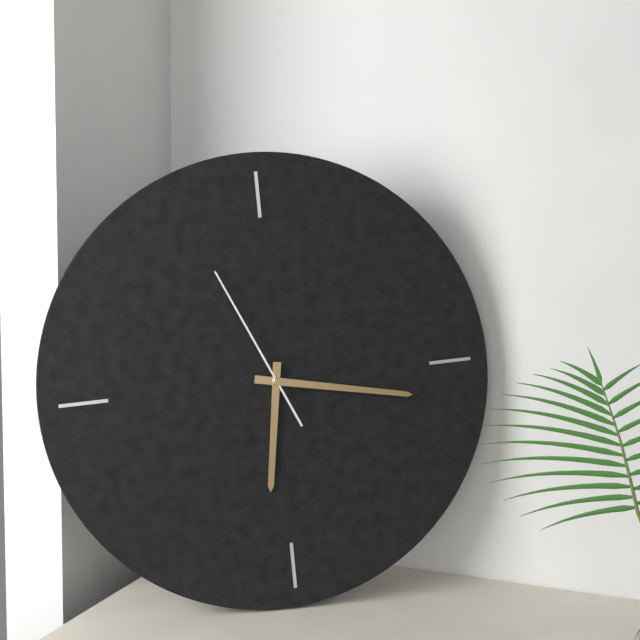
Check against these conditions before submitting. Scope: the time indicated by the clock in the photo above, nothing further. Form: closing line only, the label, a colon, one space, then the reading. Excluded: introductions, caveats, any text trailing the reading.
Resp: 6:17:56
